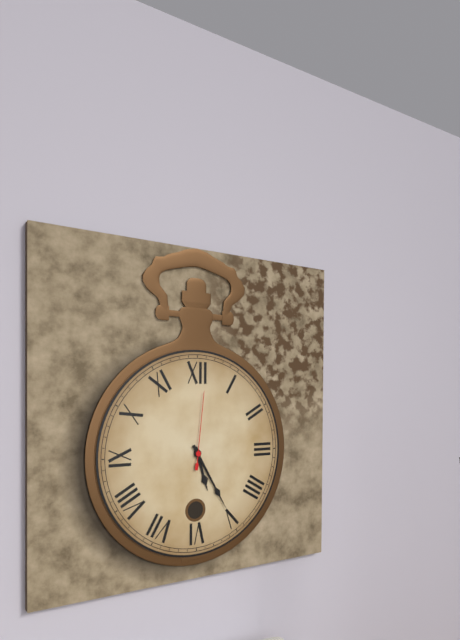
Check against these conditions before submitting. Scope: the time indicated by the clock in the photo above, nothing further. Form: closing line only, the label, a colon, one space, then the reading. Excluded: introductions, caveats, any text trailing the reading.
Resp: 5:25:01
